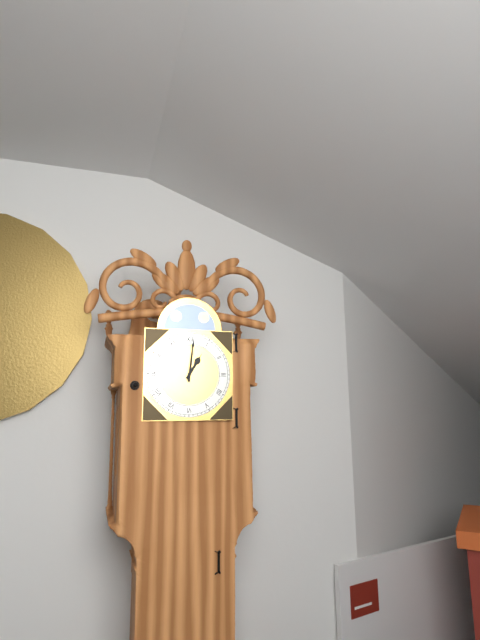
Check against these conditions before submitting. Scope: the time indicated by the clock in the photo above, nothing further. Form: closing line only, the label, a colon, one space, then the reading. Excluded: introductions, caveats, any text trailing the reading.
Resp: 1:01
